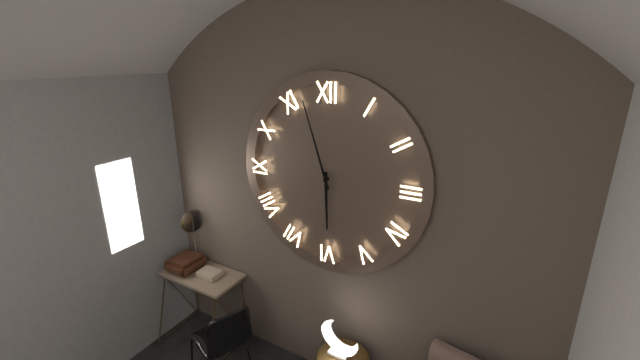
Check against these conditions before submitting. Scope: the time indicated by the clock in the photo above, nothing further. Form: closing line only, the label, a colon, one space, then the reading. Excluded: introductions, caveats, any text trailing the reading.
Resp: 5:57
